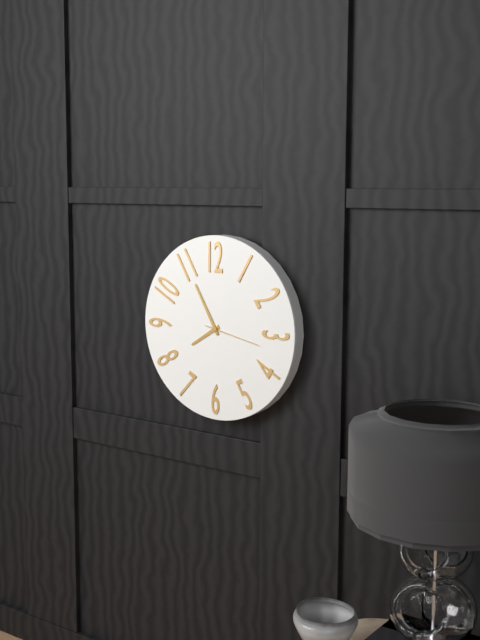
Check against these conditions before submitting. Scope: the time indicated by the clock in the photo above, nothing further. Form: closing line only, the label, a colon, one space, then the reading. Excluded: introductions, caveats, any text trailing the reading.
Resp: 7:55:17
